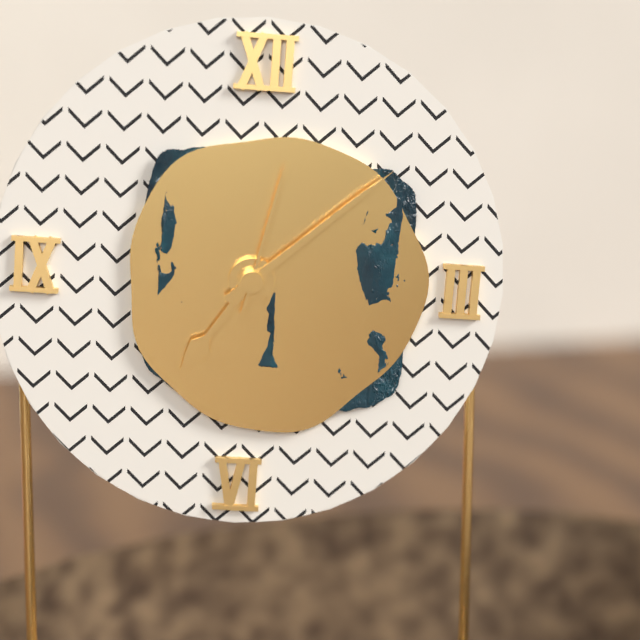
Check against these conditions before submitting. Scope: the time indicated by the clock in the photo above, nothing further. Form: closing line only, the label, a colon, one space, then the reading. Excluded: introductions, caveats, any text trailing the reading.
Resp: 7:08:02
